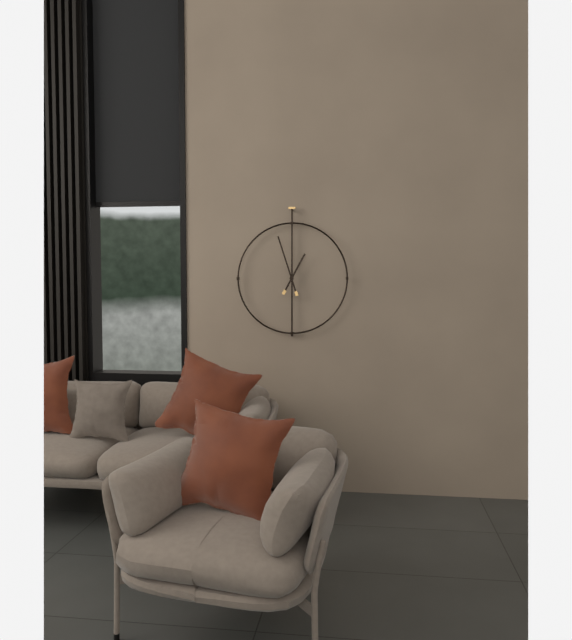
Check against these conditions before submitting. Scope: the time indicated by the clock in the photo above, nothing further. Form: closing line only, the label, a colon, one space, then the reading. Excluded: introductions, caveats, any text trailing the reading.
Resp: 12:57
